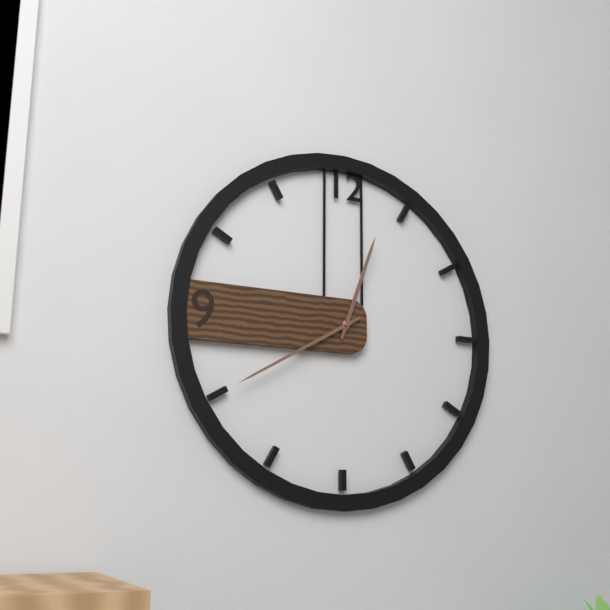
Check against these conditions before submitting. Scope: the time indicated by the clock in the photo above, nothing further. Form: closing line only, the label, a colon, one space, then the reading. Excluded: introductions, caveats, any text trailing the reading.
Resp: 12:40
